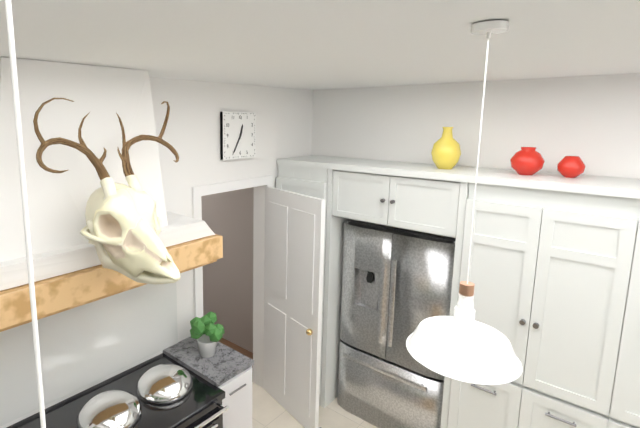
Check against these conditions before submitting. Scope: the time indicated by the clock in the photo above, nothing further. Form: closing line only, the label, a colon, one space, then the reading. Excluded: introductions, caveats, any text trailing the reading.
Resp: 12:35
